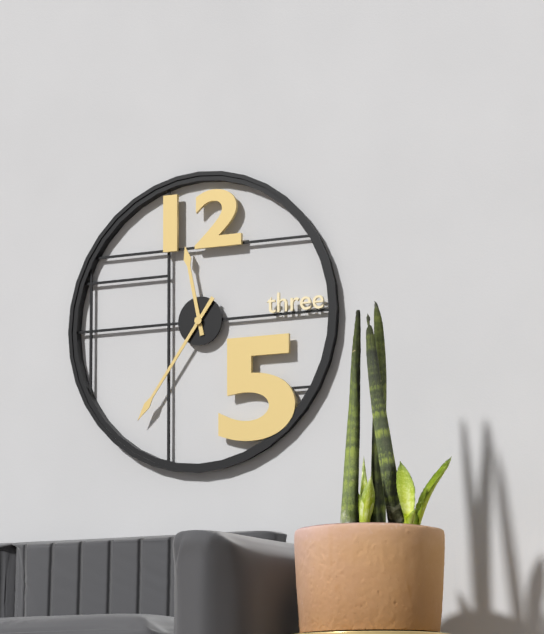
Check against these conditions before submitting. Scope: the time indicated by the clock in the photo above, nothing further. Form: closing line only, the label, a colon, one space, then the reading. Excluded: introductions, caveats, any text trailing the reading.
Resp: 11:36
